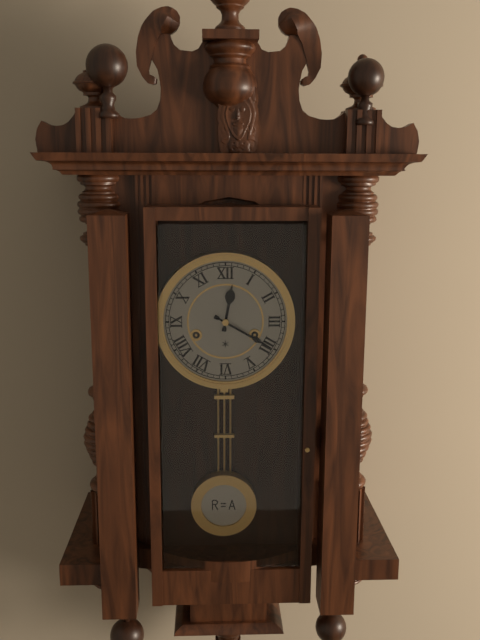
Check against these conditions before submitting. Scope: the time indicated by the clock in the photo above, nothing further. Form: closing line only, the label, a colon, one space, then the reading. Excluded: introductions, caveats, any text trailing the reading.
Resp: 12:20
